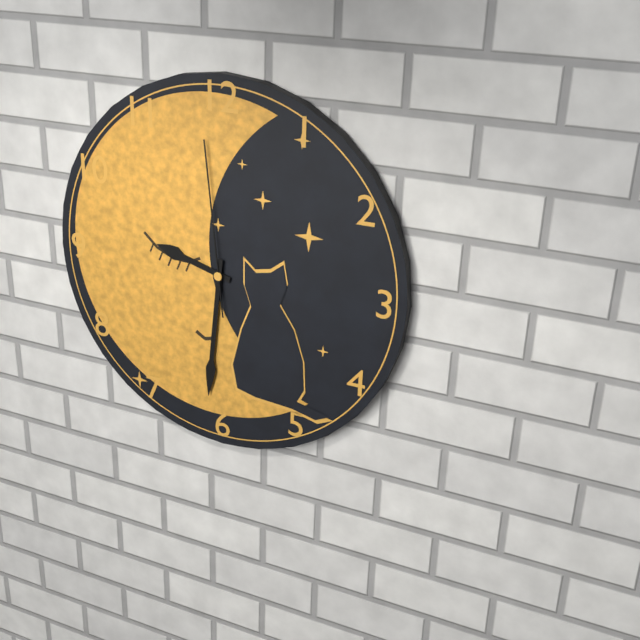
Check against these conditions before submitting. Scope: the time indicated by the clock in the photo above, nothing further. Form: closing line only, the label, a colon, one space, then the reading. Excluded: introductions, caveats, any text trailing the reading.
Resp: 9:31:59
